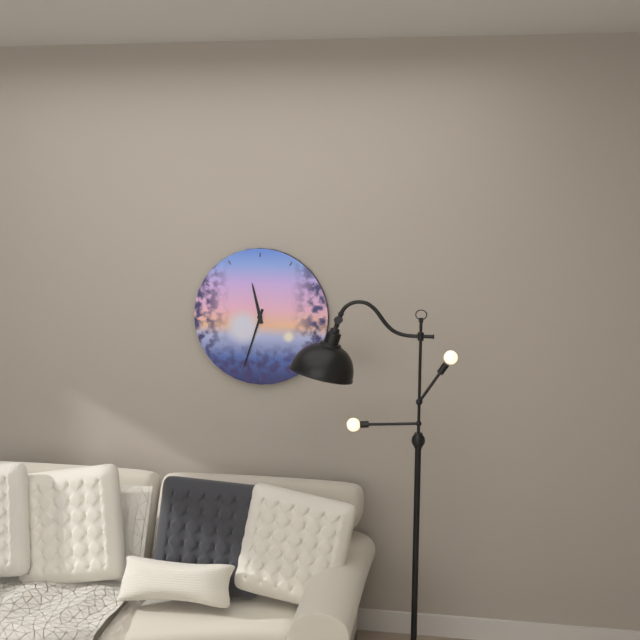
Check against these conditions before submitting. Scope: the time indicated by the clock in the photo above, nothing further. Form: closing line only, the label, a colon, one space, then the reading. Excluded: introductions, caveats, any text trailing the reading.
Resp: 11:33
